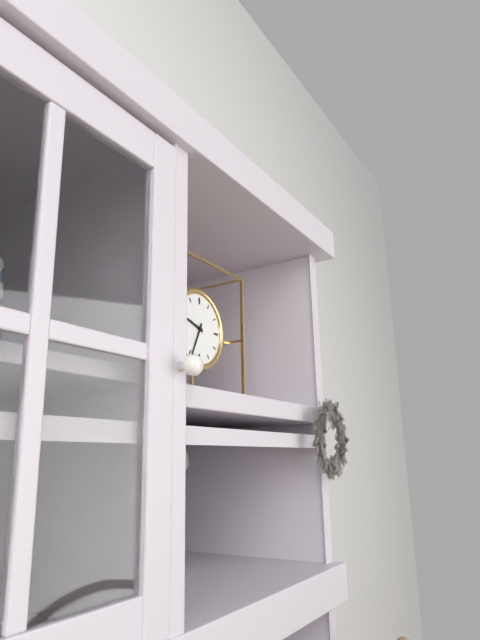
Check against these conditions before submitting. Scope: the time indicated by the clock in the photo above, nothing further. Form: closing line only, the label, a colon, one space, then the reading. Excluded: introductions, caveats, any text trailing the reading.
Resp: 9:34
